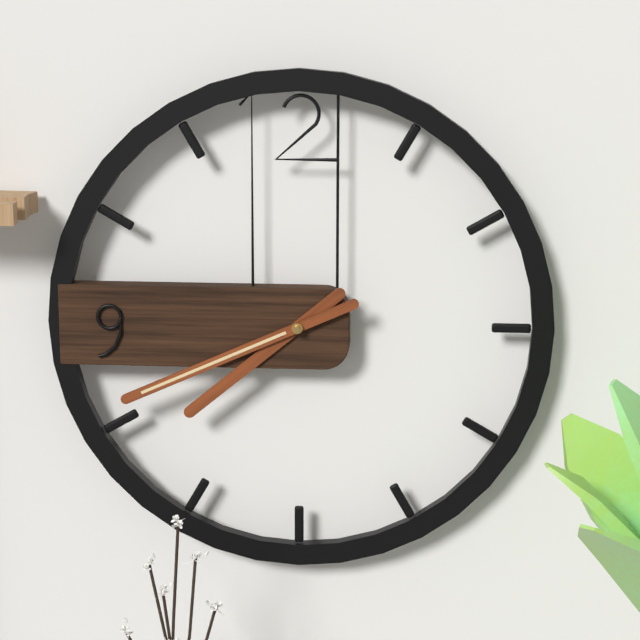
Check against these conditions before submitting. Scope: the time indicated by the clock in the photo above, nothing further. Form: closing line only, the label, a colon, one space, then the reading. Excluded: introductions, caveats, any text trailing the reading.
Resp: 7:41
